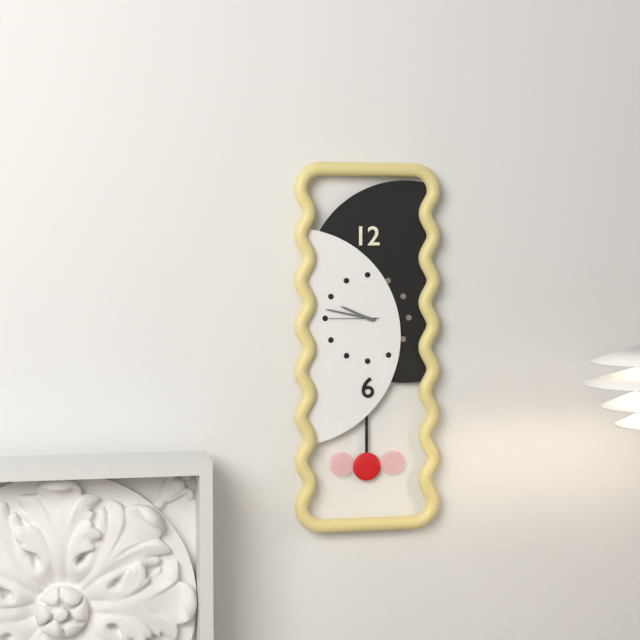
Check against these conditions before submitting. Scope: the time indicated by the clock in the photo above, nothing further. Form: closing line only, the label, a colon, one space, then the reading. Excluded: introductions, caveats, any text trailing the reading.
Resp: 9:47
